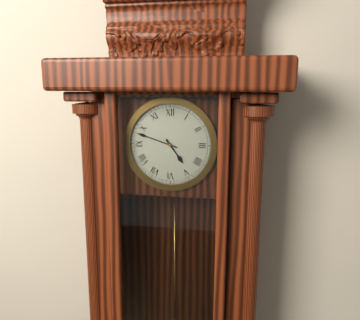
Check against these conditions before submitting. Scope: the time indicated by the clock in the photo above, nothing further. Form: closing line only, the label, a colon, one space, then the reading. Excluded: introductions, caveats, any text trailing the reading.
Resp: 4:48
